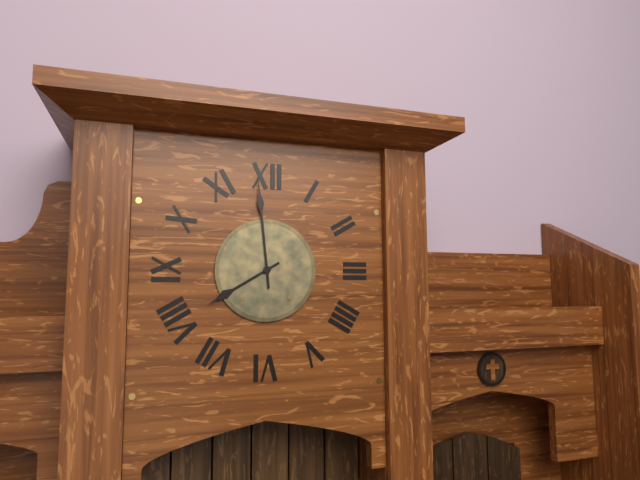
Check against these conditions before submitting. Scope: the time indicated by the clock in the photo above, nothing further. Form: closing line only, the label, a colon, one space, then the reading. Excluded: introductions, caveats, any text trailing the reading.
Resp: 7:59
